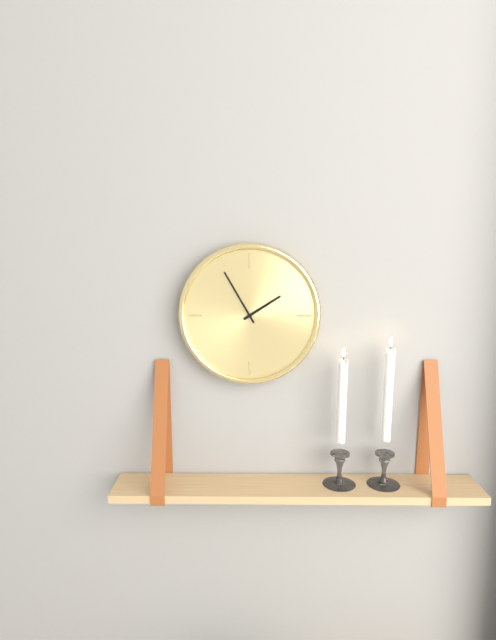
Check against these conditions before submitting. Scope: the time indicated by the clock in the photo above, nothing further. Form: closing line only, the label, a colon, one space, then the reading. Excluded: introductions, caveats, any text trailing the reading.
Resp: 1:55
